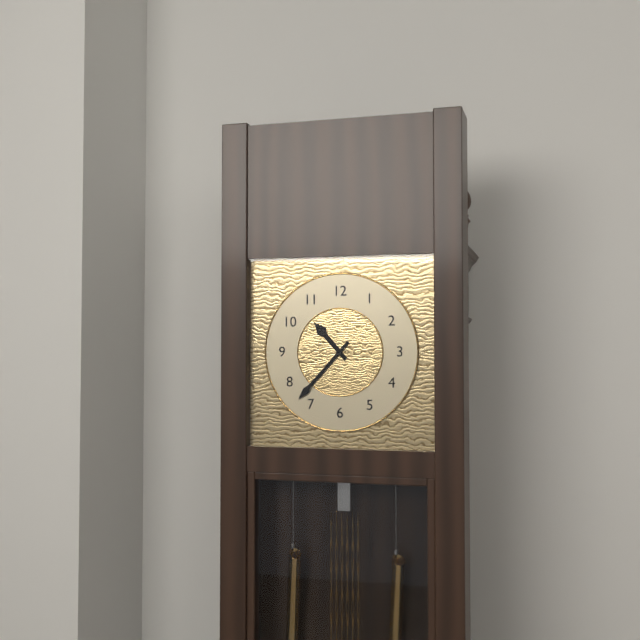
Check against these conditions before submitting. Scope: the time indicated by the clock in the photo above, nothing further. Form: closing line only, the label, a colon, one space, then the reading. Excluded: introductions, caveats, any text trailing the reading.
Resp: 10:37
